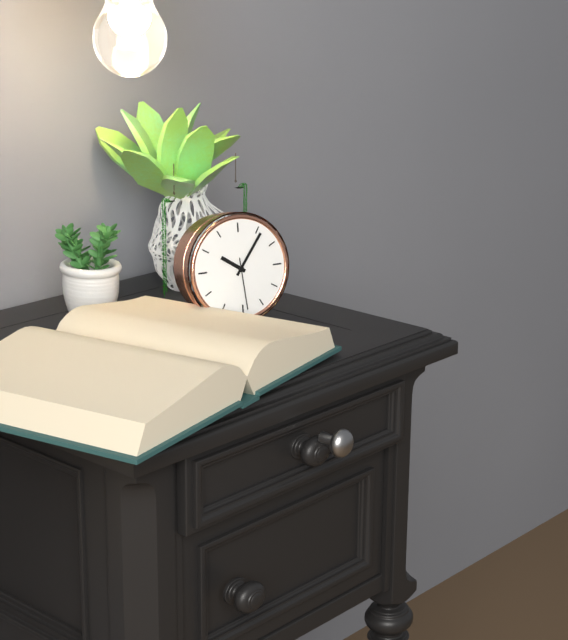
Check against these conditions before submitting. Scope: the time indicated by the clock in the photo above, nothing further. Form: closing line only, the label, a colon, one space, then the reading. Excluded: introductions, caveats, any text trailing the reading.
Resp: 10:06:29
